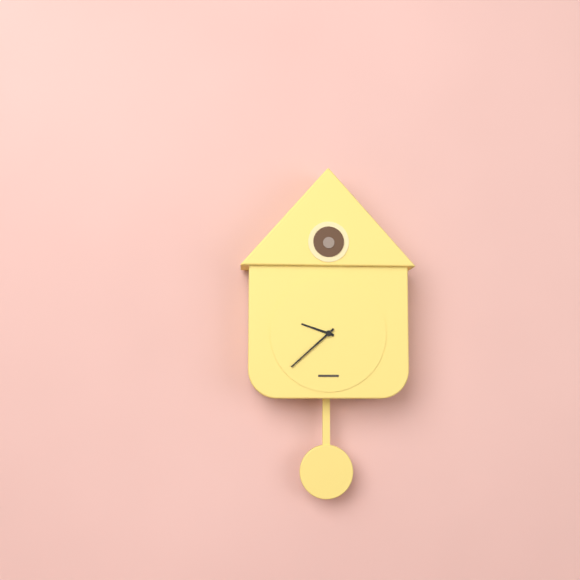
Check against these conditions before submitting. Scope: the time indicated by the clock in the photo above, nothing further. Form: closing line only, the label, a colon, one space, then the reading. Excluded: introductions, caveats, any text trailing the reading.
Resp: 9:38
